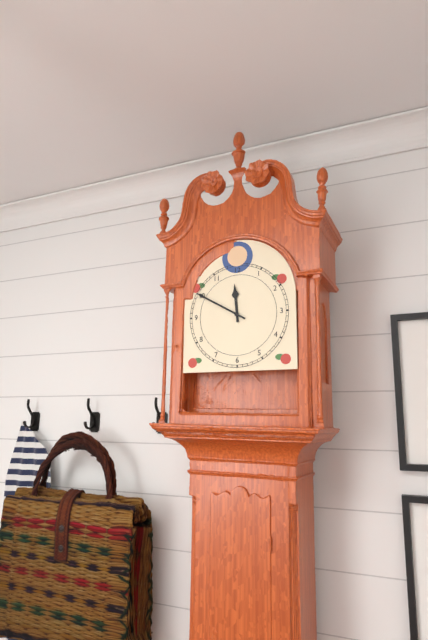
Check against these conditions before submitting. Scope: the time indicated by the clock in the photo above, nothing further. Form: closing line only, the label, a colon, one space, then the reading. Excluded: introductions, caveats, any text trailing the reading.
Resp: 11:50
